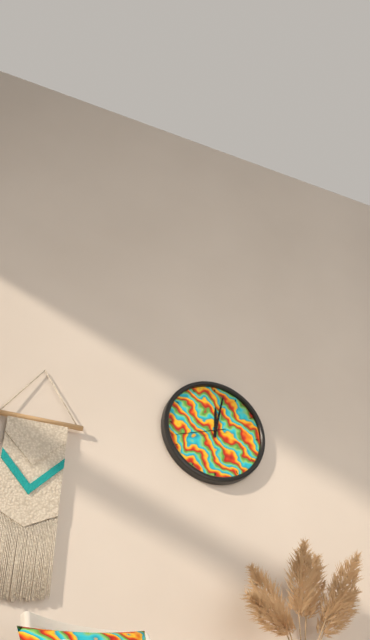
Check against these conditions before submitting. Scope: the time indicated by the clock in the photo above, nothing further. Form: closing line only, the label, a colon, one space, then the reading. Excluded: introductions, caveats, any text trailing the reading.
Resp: 12:02
